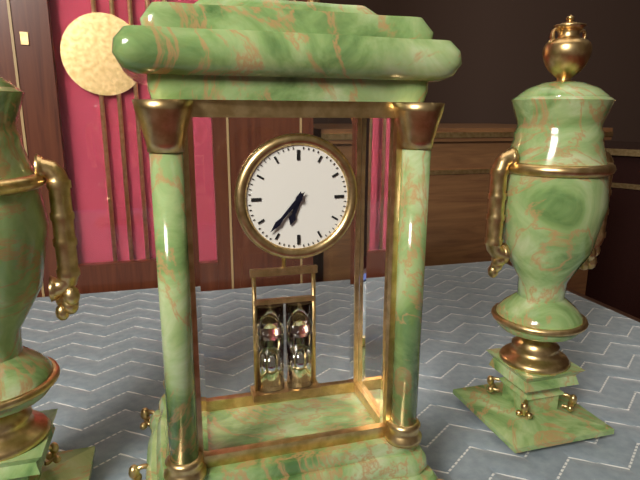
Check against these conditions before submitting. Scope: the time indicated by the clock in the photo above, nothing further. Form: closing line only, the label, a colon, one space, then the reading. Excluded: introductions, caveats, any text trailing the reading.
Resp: 6:37
